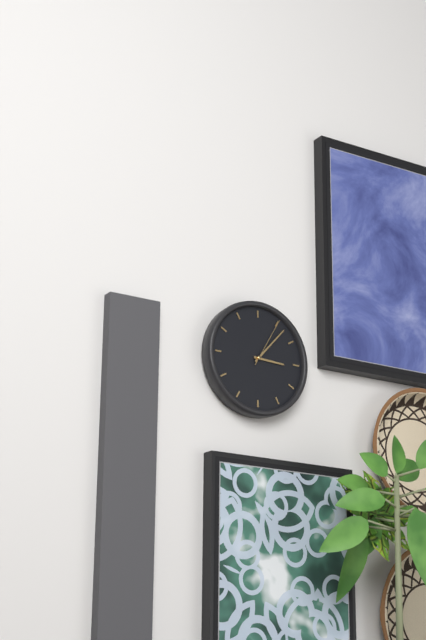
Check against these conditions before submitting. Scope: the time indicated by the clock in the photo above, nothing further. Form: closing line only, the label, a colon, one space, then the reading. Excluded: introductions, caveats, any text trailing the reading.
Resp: 3:07:05
